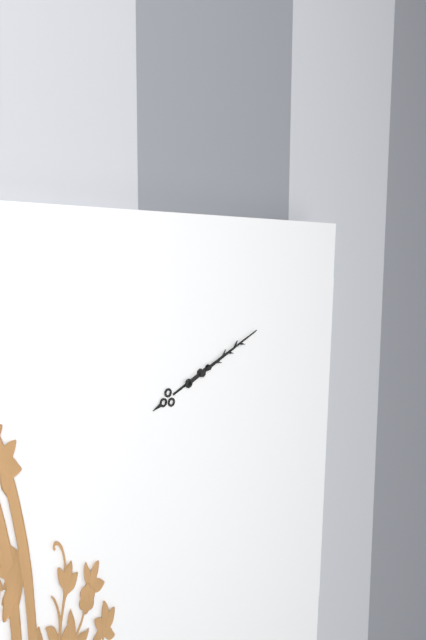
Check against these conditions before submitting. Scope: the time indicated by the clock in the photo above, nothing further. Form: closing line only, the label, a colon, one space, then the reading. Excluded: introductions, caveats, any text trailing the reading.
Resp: 8:11
